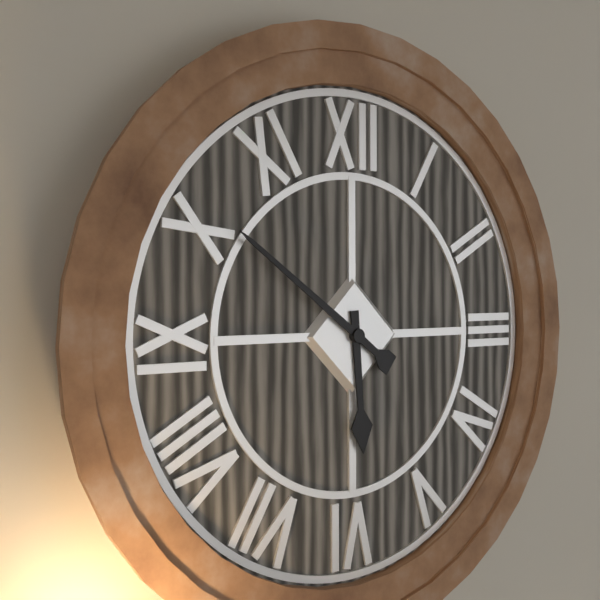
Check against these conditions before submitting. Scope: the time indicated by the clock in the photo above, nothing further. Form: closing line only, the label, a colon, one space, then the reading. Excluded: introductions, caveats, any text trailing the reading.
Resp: 5:51
